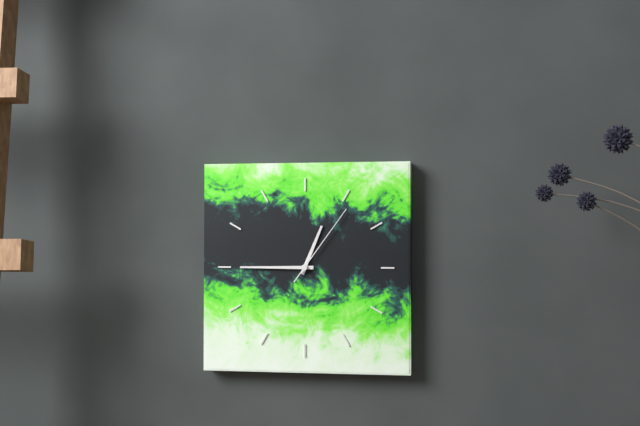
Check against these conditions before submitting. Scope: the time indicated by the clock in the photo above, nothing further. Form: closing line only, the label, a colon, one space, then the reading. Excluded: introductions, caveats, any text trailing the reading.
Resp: 12:45:06
